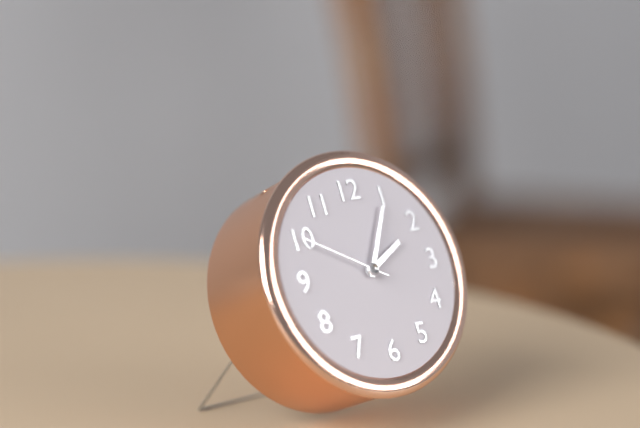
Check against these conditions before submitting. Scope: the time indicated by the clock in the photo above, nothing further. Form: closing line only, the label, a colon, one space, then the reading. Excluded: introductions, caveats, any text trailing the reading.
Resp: 2:05:50
